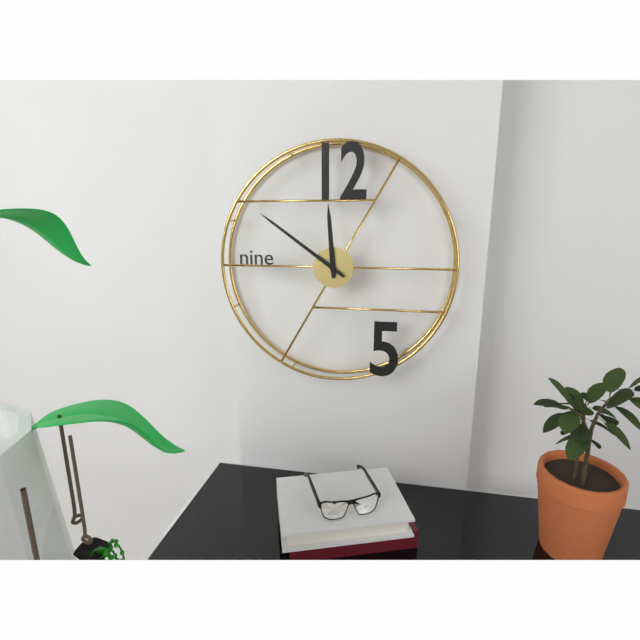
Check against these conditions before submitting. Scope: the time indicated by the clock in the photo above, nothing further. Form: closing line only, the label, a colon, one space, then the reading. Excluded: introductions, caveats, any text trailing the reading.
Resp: 11:51
